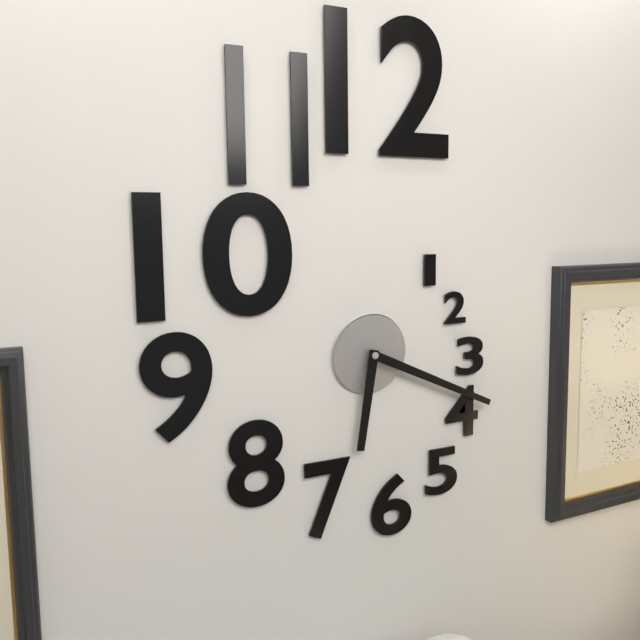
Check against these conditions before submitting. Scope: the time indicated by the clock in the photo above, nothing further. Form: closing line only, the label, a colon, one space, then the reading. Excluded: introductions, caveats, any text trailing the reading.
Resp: 6:19
